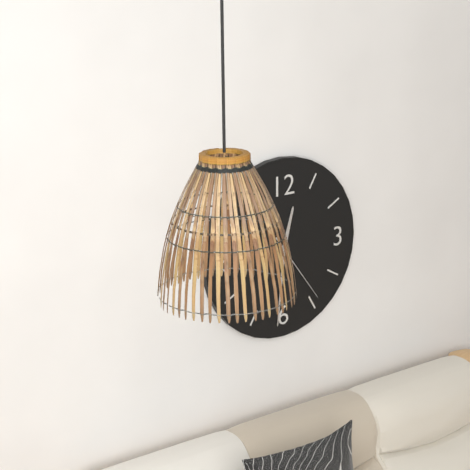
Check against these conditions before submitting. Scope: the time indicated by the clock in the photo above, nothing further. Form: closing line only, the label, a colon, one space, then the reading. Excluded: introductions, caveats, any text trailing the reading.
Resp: 12:31:24
